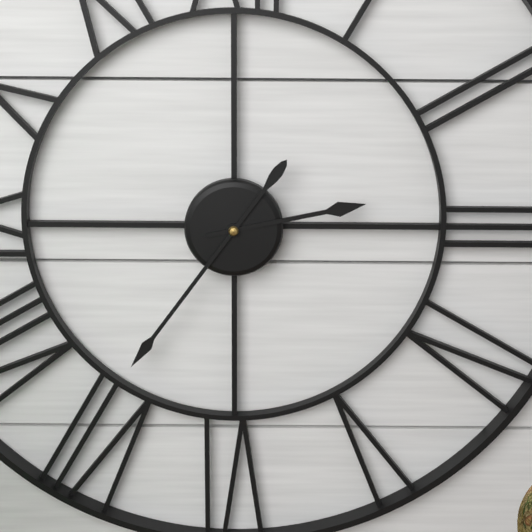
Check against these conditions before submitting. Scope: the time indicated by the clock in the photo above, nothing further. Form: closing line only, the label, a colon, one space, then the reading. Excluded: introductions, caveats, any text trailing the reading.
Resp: 2:36
